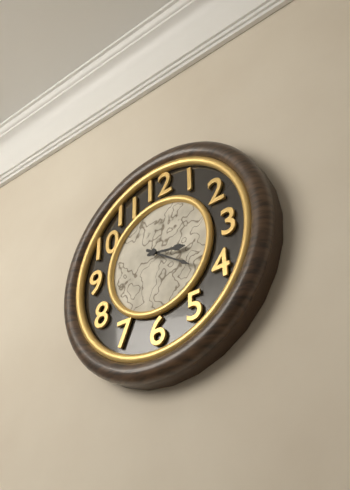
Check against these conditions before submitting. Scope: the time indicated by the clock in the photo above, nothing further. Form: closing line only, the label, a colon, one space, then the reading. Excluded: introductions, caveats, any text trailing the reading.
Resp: 3:21
